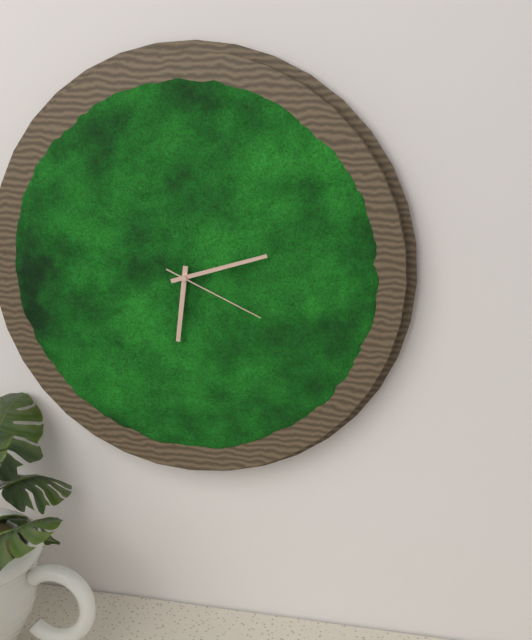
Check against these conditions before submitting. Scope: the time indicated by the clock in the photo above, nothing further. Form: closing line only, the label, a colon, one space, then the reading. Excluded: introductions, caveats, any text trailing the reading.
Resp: 6:12:19
